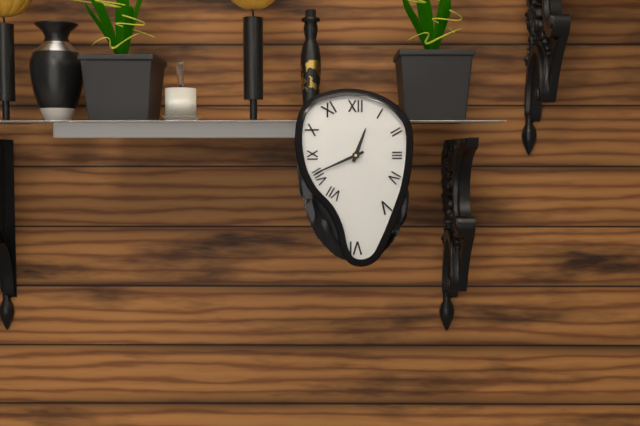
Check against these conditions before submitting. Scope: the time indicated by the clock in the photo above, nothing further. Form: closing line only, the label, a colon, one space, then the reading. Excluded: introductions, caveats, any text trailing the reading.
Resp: 12:41
